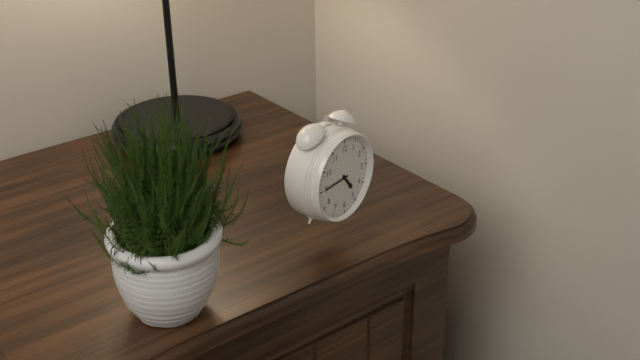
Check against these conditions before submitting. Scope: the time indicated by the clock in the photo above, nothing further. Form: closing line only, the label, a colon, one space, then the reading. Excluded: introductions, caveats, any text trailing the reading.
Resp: 4:45
